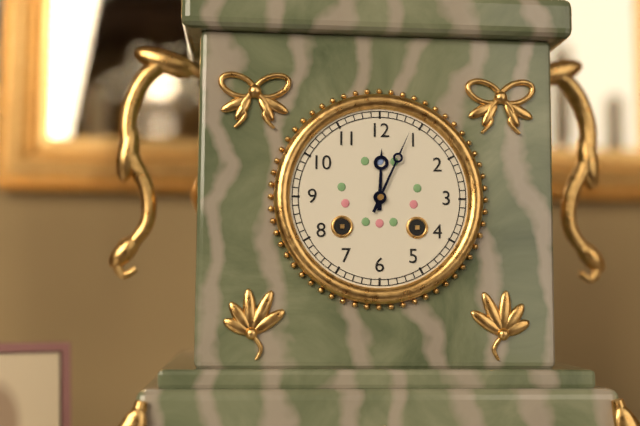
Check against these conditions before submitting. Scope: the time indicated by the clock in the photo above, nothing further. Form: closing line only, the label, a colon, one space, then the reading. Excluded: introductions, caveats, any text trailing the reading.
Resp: 12:04
